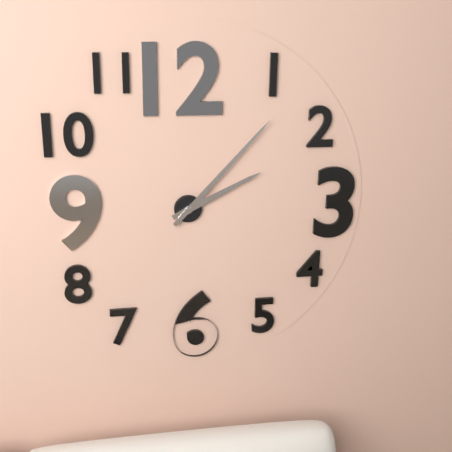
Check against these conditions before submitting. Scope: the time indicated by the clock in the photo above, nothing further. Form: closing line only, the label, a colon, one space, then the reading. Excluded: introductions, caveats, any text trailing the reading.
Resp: 2:07
